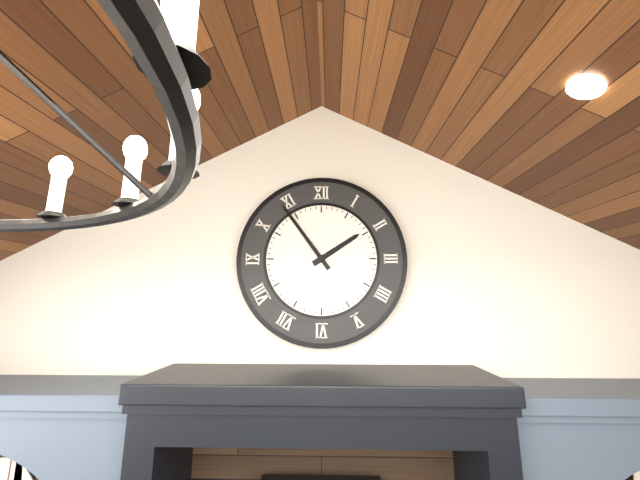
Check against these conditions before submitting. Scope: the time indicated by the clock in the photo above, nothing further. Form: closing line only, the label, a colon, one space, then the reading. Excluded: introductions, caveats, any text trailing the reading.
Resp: 1:54
